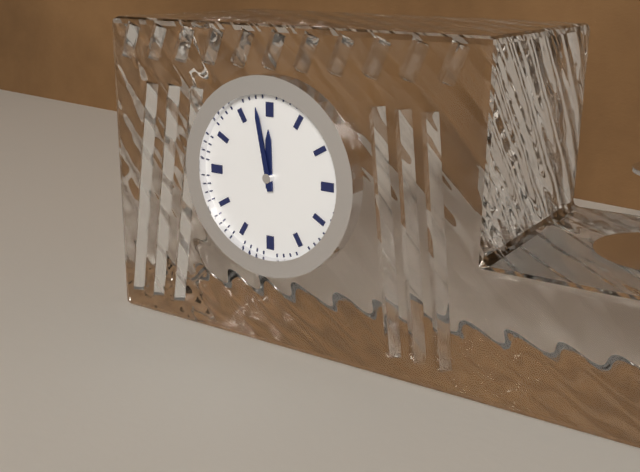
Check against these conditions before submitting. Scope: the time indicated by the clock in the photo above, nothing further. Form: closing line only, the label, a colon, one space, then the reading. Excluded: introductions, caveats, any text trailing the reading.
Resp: 11:58
